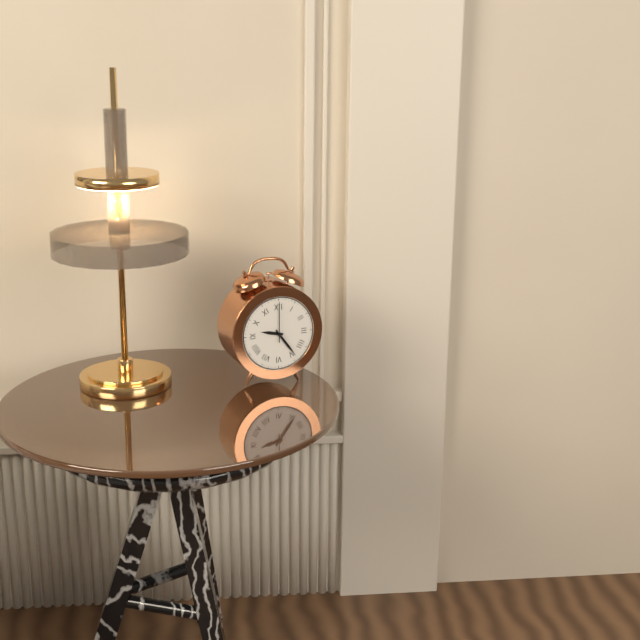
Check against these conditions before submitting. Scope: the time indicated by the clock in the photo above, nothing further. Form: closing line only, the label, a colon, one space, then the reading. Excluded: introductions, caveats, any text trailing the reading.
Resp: 9:24
